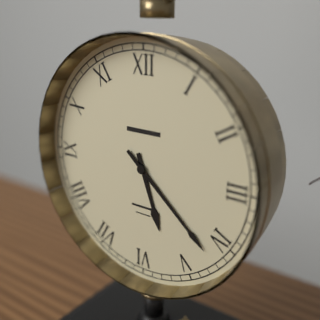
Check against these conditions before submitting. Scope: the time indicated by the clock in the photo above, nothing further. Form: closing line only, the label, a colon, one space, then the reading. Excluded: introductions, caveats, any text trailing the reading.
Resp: 5:22
